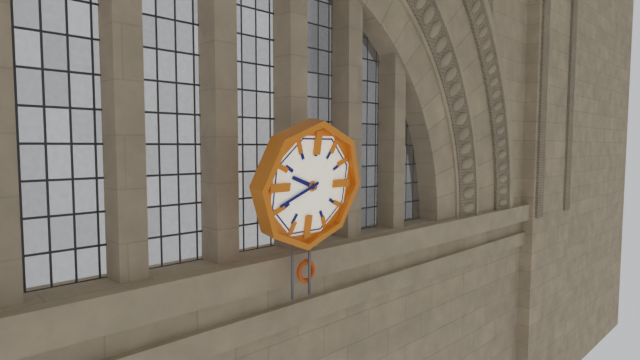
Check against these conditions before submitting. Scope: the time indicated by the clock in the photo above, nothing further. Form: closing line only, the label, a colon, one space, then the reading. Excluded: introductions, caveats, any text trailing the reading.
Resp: 9:41
